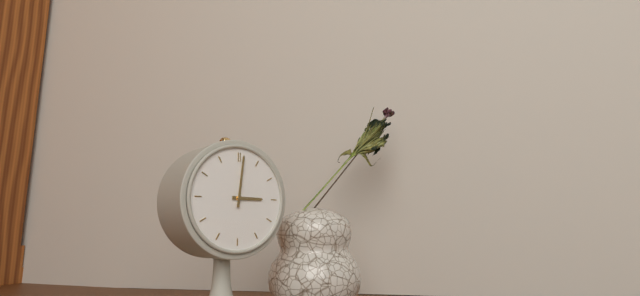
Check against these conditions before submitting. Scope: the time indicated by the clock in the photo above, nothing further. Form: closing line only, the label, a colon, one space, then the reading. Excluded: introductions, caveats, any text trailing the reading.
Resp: 3:01
